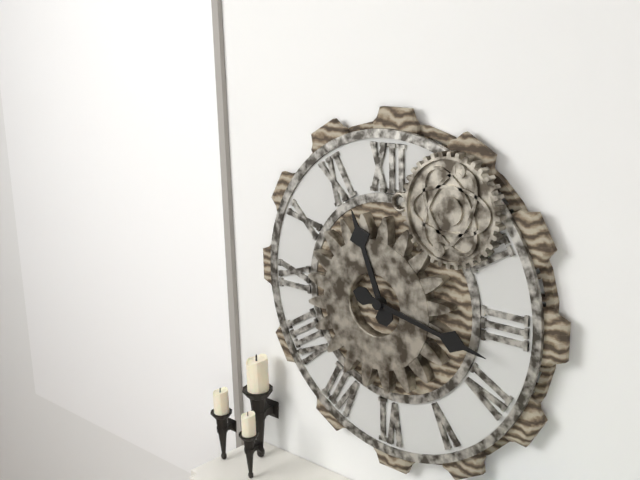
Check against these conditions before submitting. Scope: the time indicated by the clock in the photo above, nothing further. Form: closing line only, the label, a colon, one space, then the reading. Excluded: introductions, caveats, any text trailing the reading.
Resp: 11:17
